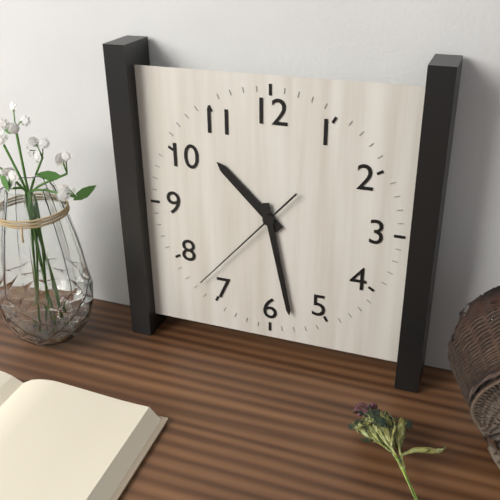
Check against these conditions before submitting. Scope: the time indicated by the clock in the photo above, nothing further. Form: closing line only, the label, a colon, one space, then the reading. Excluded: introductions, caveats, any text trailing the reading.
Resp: 10:28:37
